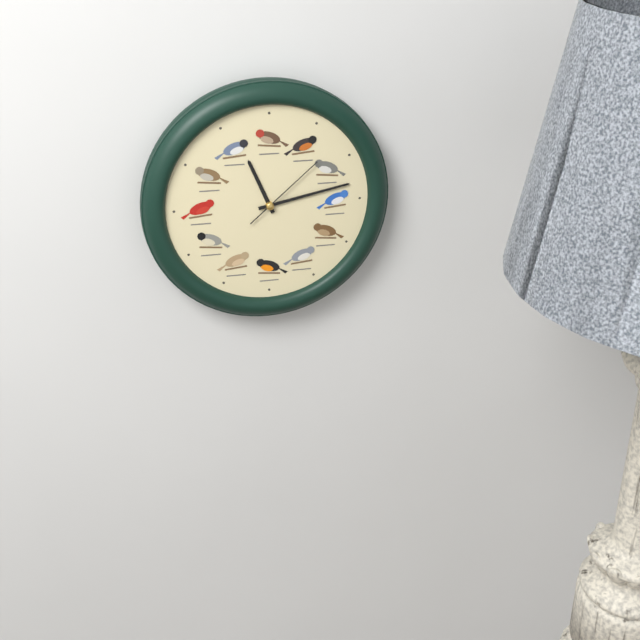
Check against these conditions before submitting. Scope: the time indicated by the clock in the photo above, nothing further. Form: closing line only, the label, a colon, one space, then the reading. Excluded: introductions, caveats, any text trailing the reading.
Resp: 11:13:08
